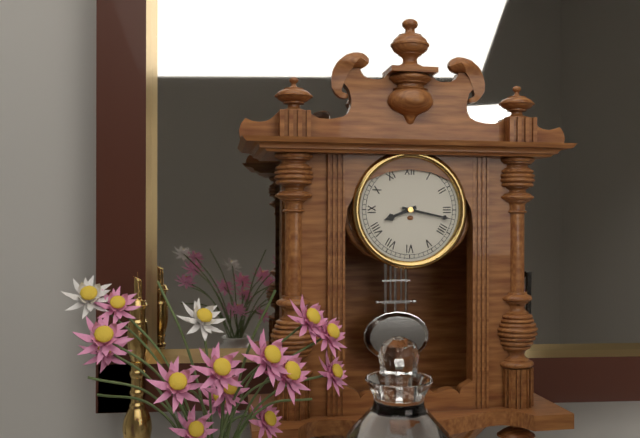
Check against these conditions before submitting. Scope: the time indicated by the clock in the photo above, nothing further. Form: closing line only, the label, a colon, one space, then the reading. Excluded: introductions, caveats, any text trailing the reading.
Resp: 8:17
